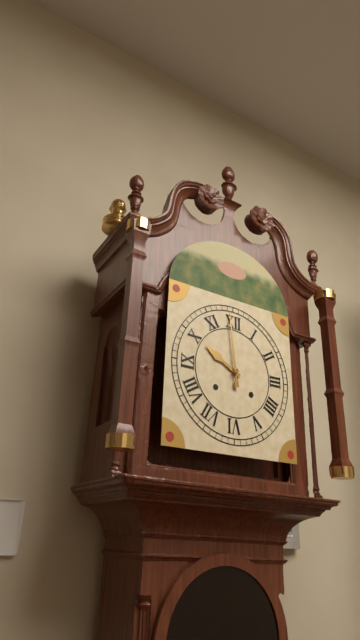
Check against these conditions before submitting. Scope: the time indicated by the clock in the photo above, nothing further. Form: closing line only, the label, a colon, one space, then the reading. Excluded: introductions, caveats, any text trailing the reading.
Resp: 9:59
